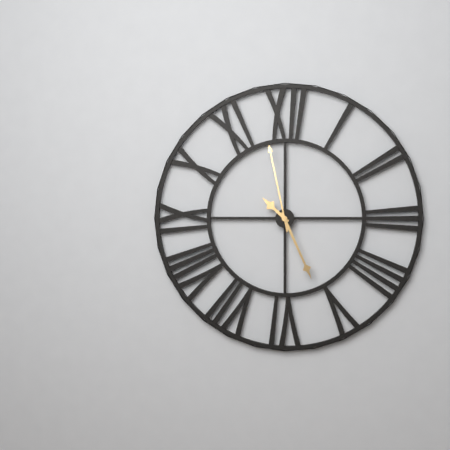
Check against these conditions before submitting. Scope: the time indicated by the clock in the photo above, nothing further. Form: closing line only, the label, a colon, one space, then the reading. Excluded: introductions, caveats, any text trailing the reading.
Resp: 10:26:58
